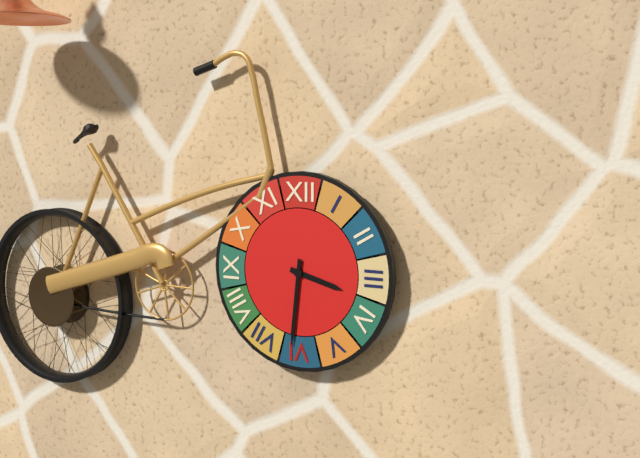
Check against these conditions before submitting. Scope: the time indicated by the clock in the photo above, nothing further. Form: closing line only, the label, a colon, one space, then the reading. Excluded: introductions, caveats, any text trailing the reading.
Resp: 3:31
